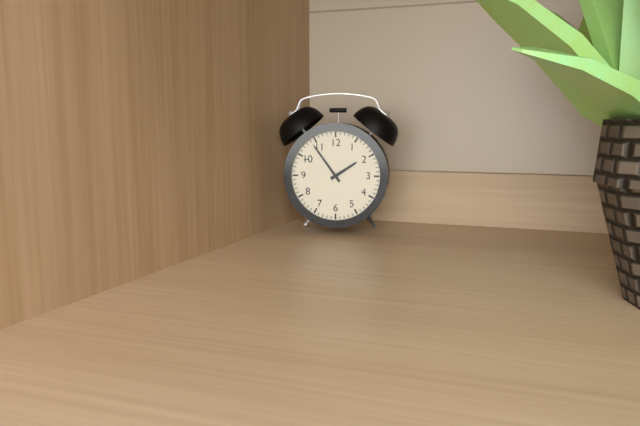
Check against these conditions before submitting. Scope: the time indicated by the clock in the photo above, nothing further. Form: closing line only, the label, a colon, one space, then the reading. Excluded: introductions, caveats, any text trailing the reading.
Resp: 1:54
